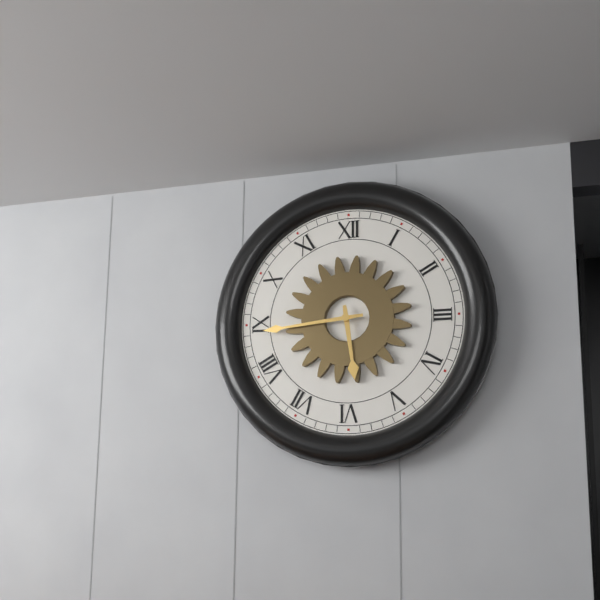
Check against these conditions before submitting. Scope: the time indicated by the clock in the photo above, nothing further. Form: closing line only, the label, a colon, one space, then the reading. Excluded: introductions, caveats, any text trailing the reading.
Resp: 5:44
